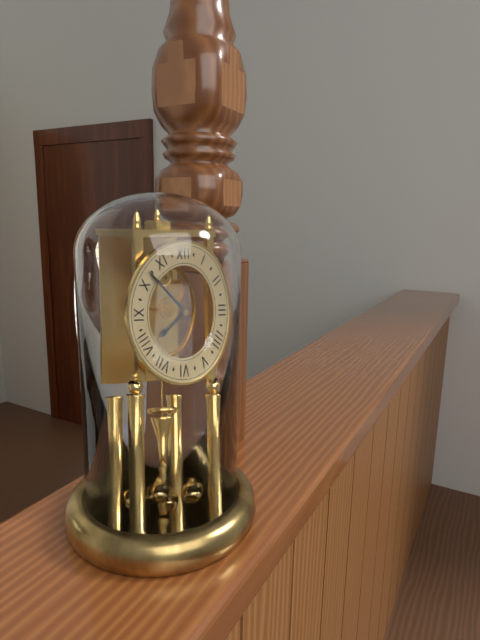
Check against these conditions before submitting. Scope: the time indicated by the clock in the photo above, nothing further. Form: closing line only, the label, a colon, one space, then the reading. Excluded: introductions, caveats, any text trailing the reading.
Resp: 7:52
